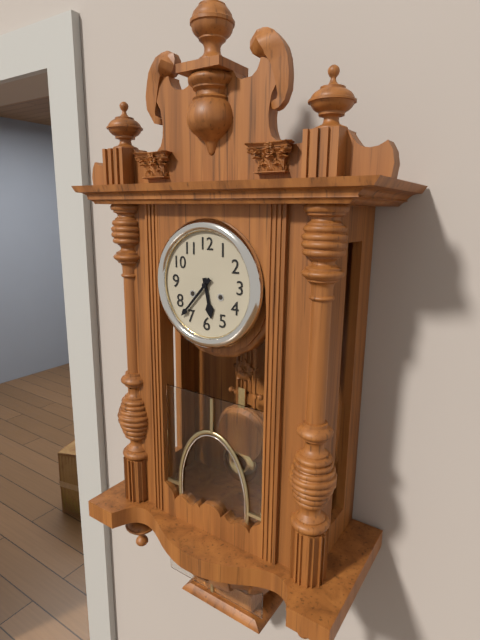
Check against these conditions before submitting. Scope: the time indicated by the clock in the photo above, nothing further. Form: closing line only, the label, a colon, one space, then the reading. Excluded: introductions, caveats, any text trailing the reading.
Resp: 5:37
